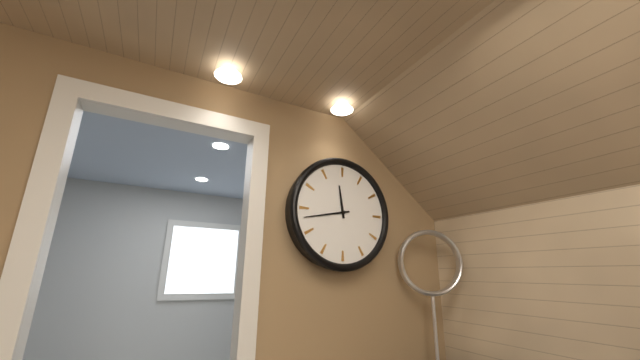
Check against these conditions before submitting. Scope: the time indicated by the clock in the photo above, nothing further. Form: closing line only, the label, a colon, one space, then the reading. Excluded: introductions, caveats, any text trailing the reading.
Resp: 11:43
